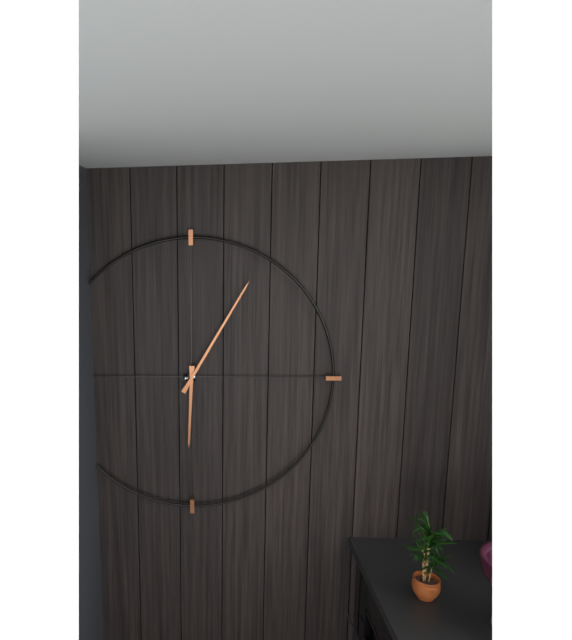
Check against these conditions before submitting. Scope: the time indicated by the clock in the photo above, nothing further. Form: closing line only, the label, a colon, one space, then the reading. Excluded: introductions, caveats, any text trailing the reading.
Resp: 6:05
